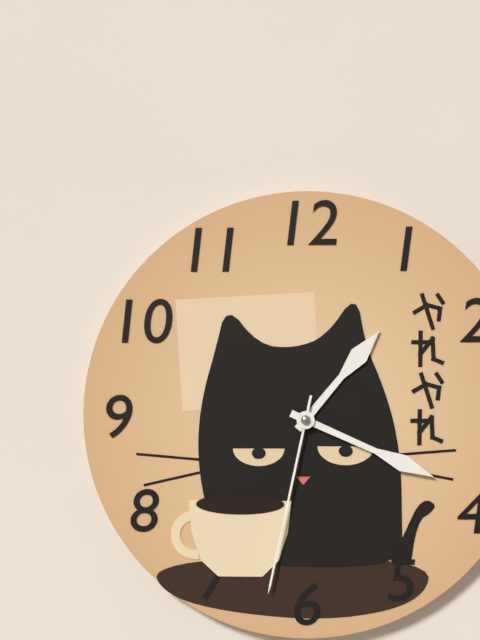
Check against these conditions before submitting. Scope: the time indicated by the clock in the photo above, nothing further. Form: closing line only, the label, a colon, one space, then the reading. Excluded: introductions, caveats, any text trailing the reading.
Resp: 1:19:32
